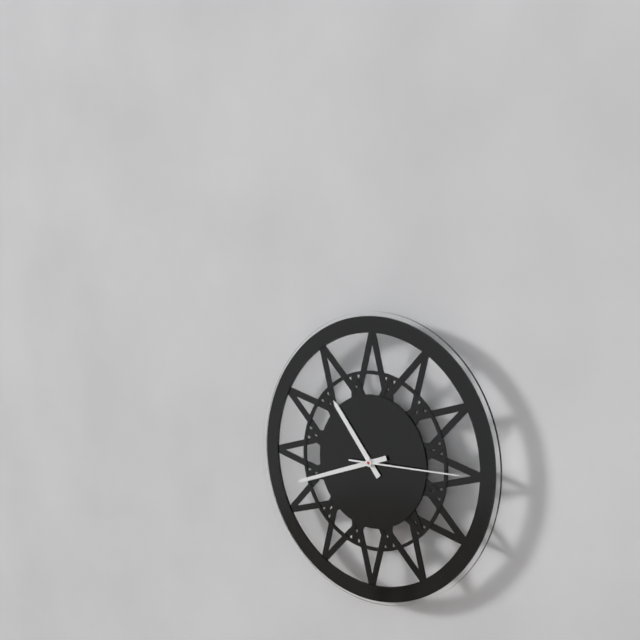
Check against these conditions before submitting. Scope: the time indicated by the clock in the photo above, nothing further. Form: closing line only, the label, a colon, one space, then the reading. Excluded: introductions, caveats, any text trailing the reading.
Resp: 10:42:15
